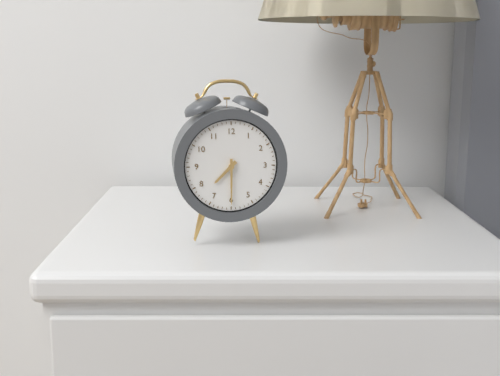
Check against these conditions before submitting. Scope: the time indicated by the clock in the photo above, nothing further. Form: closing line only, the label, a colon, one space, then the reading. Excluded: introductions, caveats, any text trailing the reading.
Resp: 7:30
